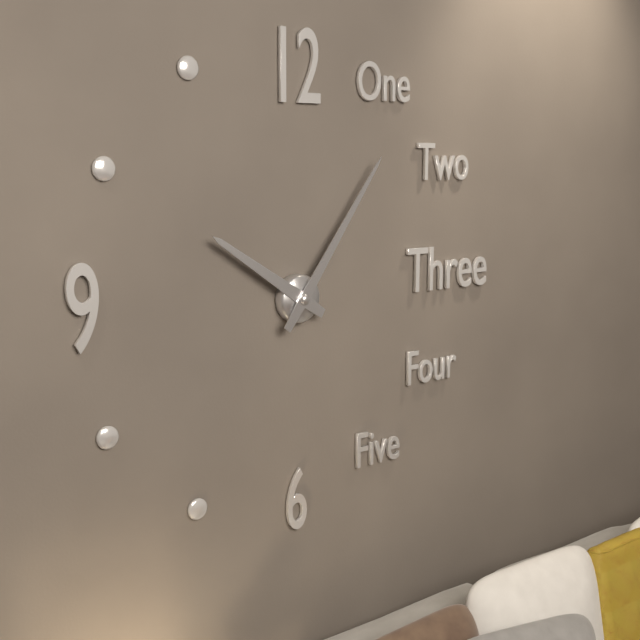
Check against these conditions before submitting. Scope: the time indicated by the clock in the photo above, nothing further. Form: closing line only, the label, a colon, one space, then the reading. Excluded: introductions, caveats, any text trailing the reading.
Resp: 10:06
